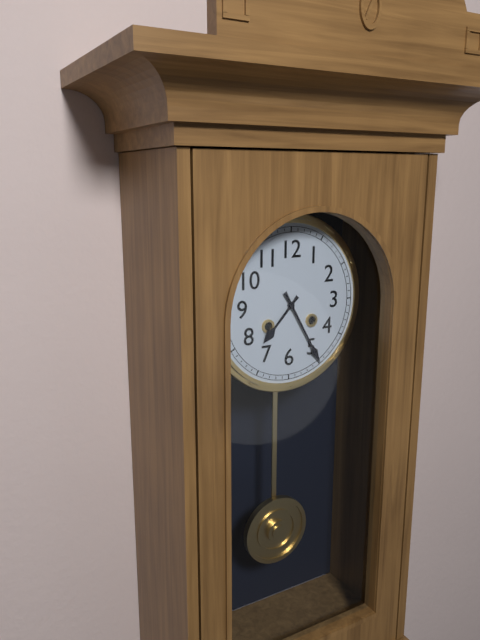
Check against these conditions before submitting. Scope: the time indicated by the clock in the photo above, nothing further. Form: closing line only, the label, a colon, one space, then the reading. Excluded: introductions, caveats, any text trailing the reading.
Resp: 7:25
